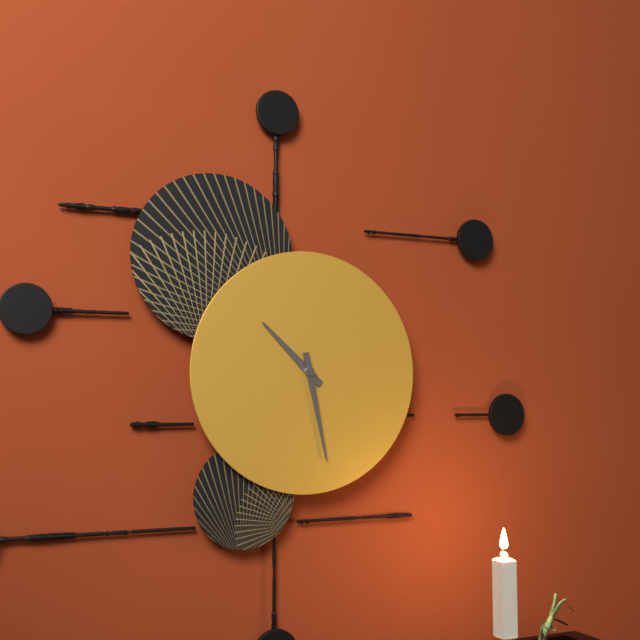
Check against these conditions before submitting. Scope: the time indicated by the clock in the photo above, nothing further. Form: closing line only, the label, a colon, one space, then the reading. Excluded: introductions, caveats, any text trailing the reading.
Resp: 10:28
